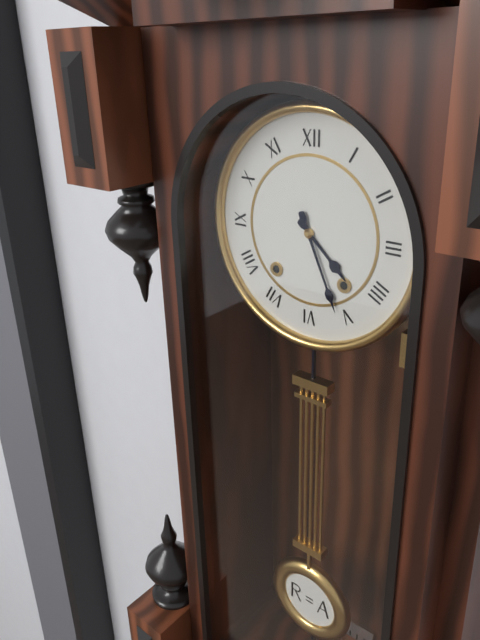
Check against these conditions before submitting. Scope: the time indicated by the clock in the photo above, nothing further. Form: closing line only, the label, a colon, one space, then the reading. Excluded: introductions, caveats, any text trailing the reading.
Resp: 4:26
